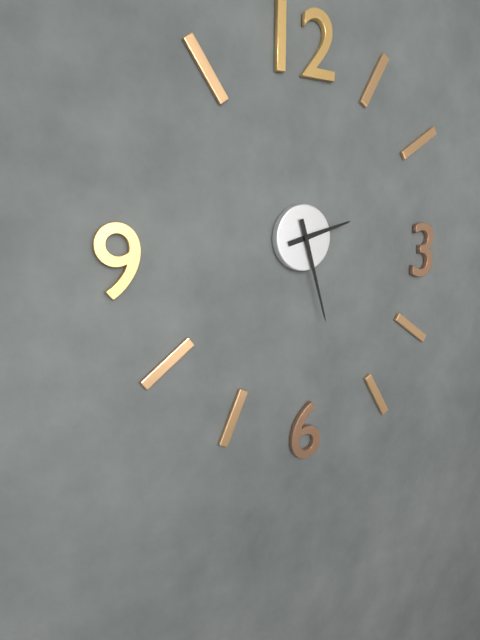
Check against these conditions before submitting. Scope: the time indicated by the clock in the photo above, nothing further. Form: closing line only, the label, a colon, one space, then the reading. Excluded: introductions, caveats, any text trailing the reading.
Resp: 2:27
